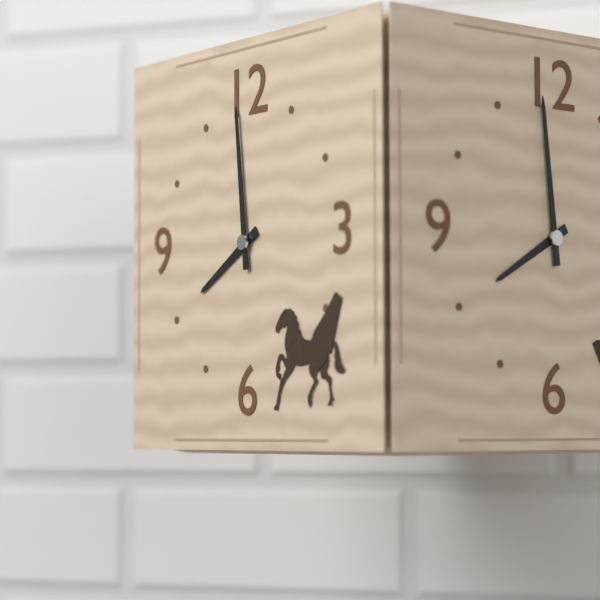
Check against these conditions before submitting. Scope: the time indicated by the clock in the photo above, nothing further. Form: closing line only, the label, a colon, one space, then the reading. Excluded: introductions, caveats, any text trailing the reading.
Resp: 7:59
